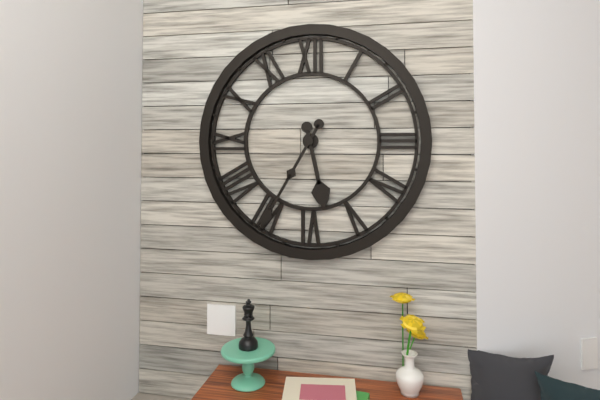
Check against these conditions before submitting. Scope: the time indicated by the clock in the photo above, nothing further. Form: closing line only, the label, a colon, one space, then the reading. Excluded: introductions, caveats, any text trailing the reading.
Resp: 5:35
